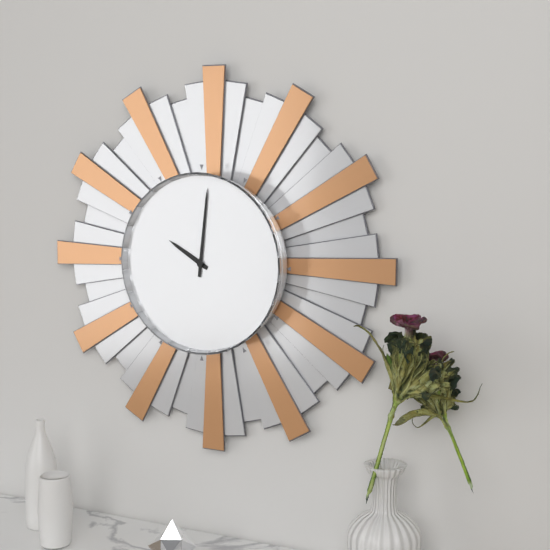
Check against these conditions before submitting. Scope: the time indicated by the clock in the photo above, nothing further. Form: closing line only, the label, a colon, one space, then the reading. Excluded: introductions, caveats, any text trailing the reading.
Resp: 10:01
